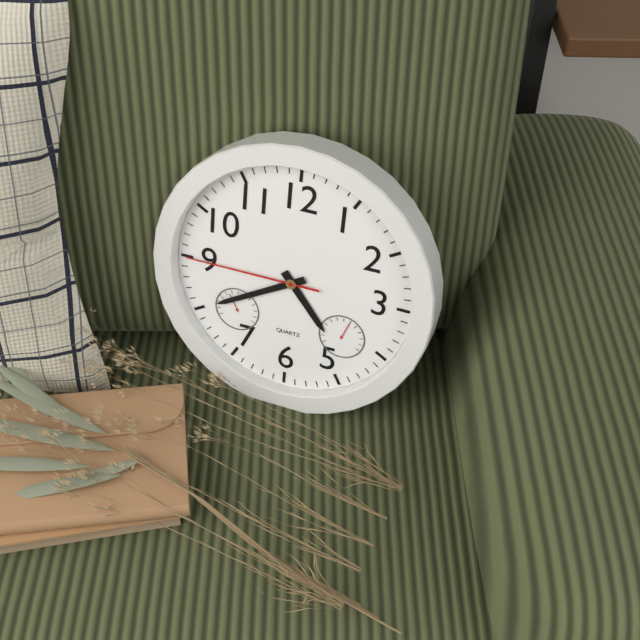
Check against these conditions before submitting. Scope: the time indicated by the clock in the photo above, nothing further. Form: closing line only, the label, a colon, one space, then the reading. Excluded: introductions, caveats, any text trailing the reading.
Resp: 4:40:45
